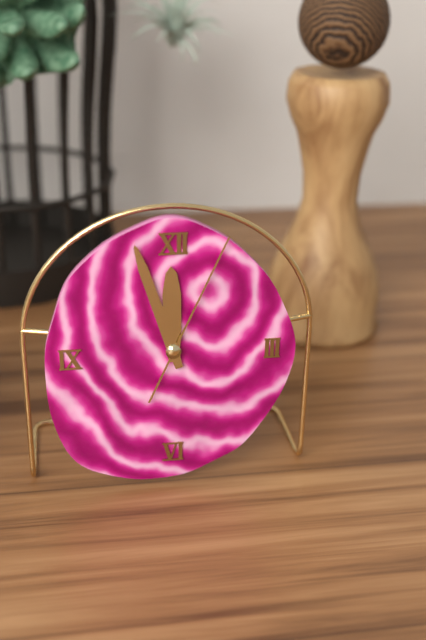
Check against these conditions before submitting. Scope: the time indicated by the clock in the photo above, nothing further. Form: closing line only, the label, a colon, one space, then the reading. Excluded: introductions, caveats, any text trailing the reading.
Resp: 11:57:04
